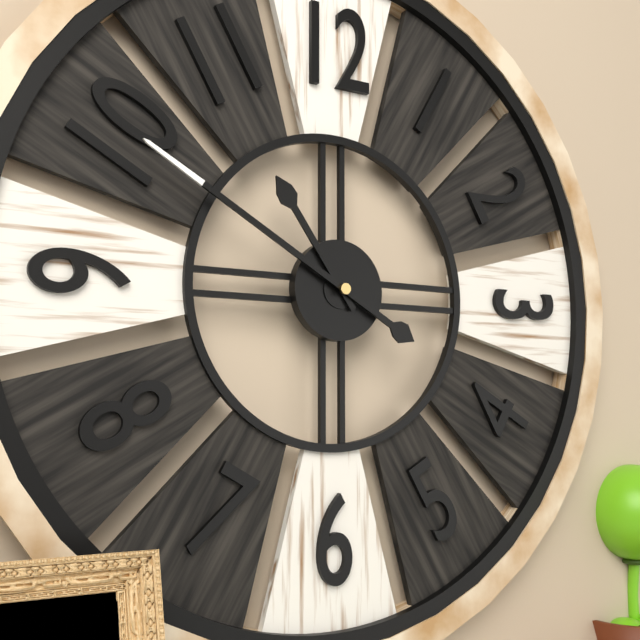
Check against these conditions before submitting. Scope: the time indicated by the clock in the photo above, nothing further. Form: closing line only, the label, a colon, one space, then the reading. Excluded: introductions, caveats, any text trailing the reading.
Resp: 10:50
